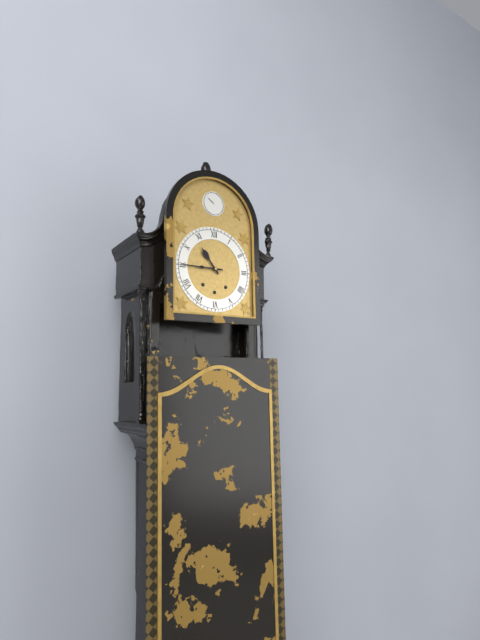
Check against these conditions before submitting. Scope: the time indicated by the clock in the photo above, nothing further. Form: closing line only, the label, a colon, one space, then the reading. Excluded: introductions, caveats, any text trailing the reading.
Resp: 10:45
